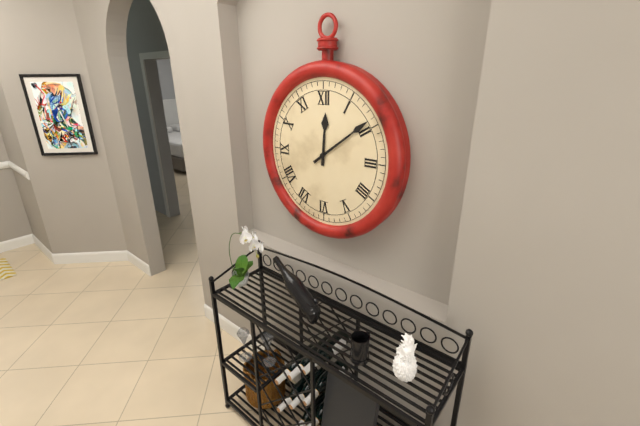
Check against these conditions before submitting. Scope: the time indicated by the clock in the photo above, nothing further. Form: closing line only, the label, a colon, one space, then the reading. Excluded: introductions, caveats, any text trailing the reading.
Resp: 12:09
